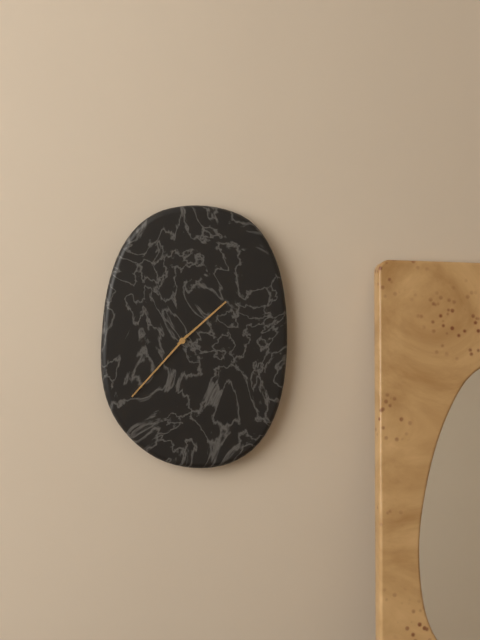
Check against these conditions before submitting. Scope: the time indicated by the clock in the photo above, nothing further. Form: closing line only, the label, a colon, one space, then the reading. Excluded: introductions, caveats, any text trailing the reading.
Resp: 1:37
